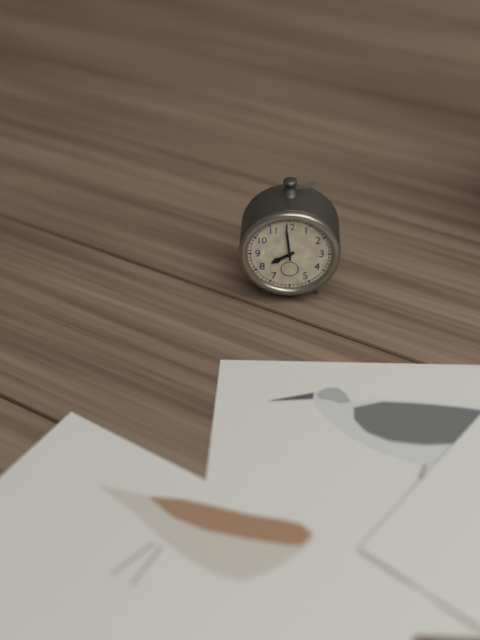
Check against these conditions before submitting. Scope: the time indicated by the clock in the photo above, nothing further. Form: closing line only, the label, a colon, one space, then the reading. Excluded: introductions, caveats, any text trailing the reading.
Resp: 7:59
